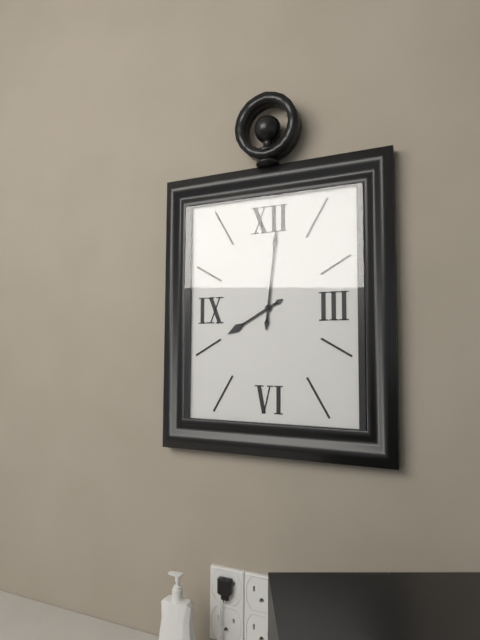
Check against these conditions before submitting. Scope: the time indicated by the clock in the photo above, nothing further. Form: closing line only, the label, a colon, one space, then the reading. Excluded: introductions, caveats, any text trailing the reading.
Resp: 8:01
